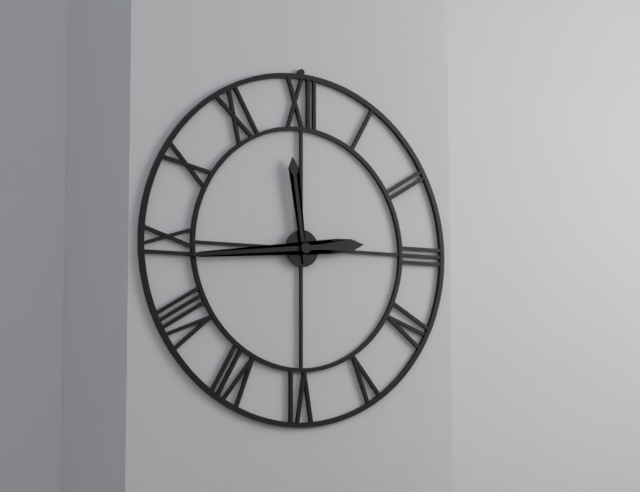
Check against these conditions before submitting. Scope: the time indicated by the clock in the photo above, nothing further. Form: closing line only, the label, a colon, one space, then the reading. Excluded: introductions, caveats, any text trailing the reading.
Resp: 11:44
